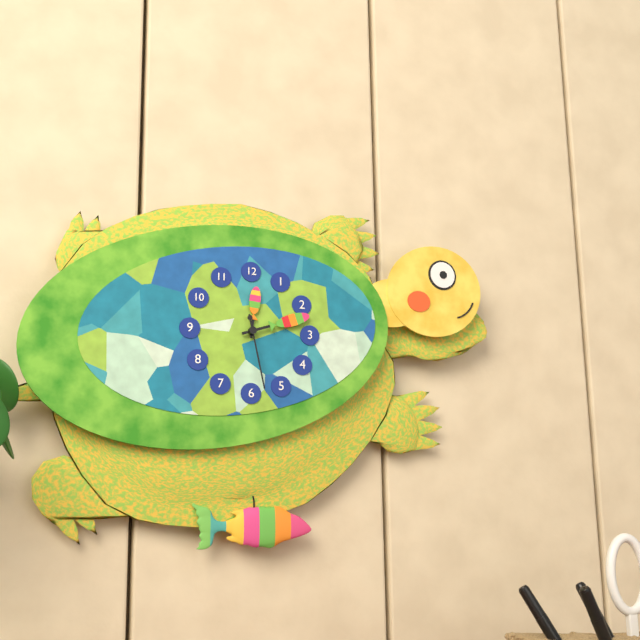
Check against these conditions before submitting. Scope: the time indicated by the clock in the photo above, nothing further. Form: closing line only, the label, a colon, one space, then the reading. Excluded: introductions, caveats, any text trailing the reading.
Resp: 12:12:28
